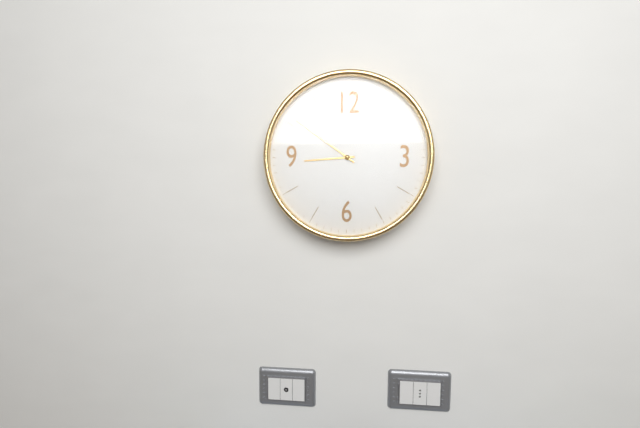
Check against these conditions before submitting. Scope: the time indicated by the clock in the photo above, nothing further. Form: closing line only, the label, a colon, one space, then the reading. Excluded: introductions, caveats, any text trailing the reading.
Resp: 8:51
